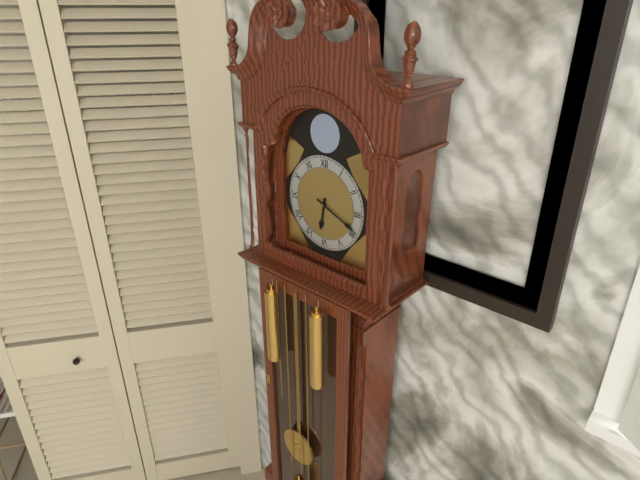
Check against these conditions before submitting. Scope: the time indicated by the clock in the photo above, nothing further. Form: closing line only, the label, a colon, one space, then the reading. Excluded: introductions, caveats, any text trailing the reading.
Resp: 6:19
